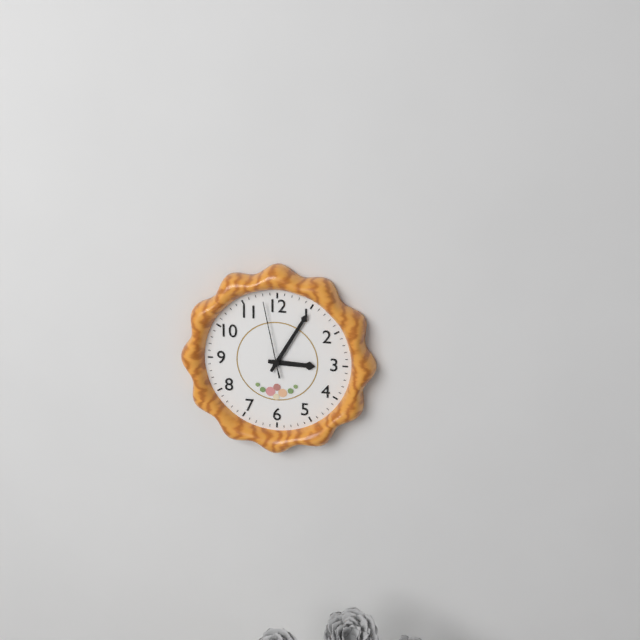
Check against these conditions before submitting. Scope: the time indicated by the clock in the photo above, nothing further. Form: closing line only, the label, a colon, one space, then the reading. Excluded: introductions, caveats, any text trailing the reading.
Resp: 3:05:58
